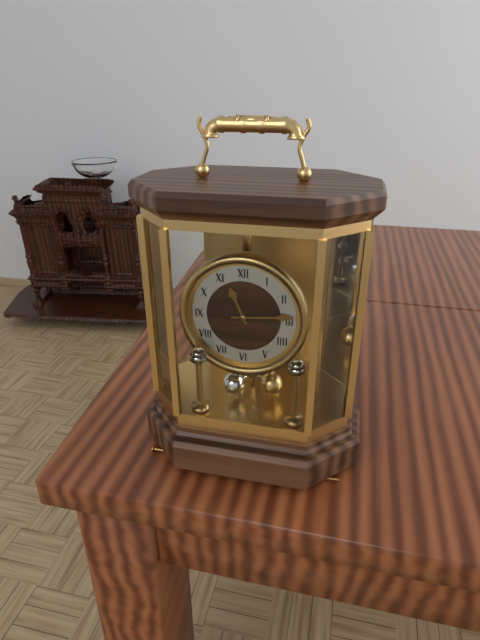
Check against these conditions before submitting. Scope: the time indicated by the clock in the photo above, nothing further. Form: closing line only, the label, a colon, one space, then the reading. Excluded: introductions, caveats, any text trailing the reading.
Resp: 11:14
